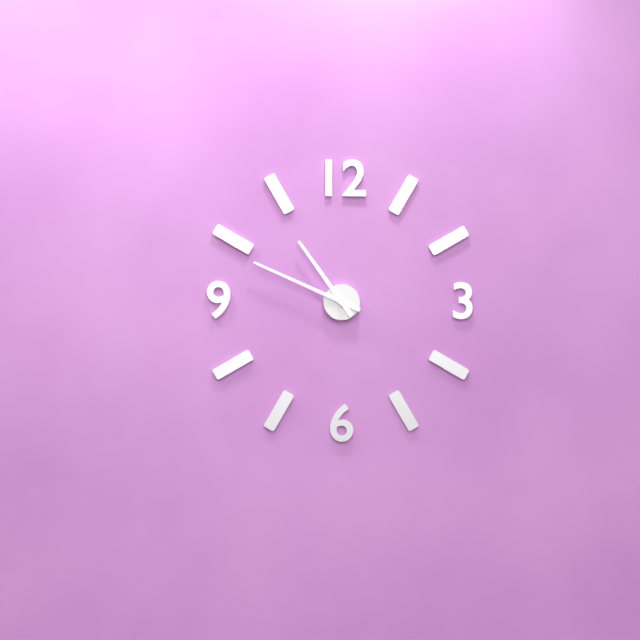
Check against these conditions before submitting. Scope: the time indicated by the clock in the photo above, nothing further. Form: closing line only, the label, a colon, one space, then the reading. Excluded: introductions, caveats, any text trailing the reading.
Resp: 10:49
